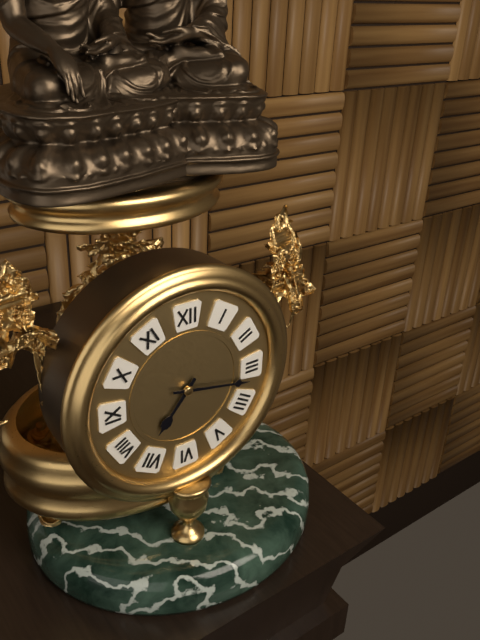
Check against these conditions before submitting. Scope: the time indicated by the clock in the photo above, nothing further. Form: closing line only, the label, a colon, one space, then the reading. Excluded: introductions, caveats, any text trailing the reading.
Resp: 7:17
